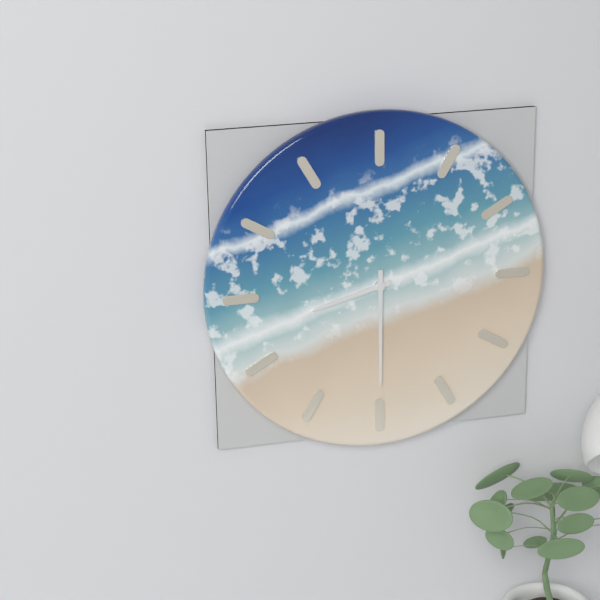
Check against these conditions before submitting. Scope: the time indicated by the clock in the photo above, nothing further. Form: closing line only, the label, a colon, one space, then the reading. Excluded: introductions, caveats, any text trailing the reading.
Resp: 8:30
